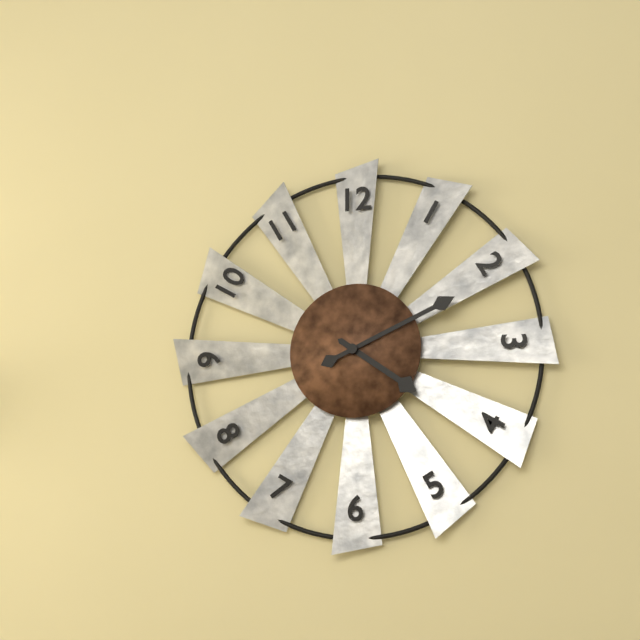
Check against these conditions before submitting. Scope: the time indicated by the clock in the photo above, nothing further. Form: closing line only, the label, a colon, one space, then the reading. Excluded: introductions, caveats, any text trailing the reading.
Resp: 4:11
